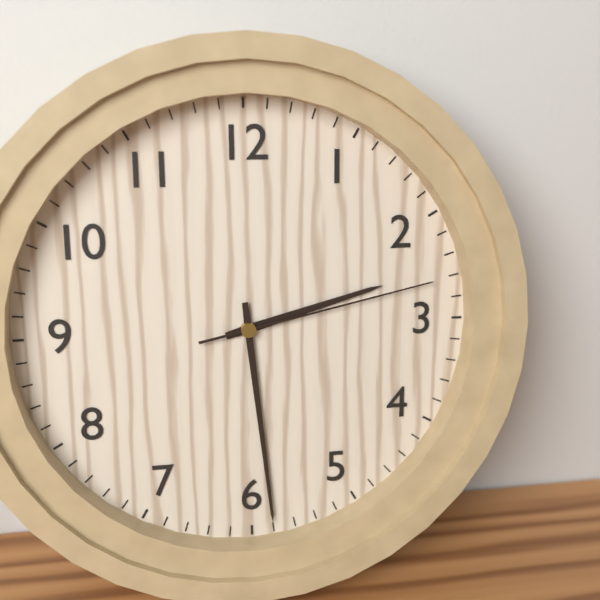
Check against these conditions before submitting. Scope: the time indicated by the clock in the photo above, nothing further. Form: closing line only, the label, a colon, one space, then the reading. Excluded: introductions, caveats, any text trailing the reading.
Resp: 2:29:13
